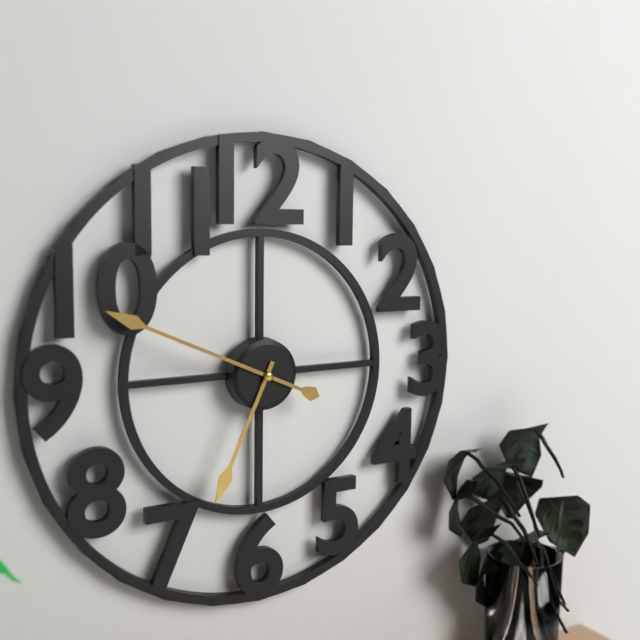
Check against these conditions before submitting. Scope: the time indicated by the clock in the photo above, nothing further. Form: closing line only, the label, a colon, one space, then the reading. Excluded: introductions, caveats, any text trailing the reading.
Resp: 6:49
